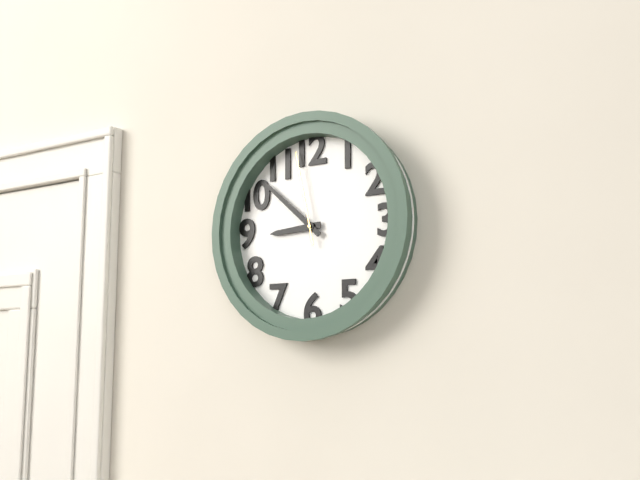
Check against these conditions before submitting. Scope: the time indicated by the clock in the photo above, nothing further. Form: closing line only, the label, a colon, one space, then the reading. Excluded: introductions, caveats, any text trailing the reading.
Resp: 8:52:58
